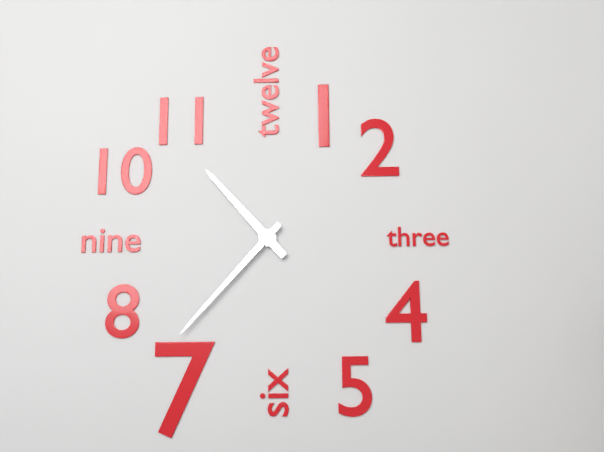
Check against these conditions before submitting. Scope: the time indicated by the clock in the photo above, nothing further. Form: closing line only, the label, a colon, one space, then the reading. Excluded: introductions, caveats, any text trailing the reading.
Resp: 10:37
